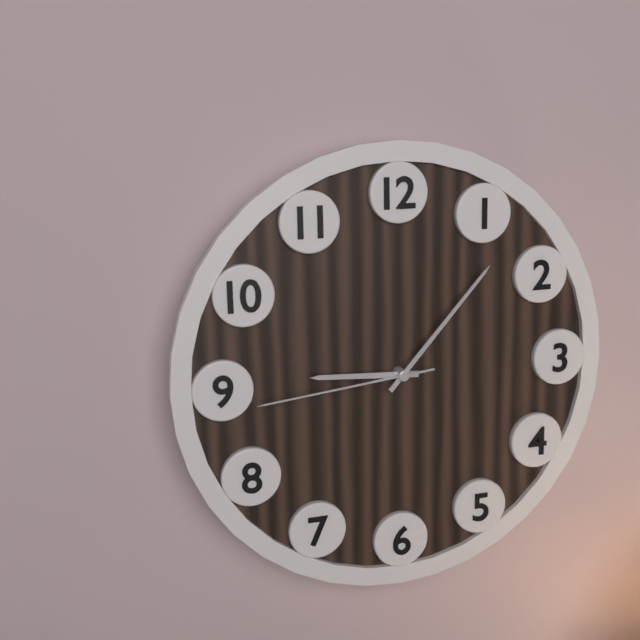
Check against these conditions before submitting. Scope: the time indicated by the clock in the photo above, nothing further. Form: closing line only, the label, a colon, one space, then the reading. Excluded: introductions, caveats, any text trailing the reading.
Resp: 9:07:44
